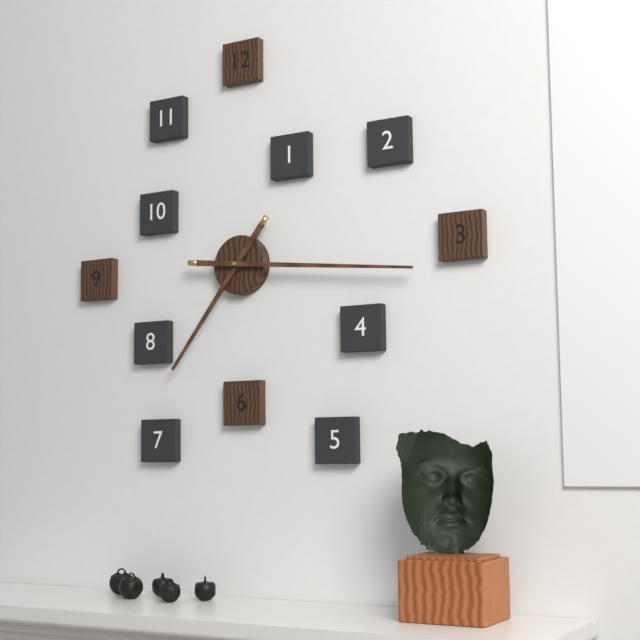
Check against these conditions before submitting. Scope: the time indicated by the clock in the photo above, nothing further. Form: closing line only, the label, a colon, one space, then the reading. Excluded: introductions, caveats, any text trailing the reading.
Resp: 7:16
